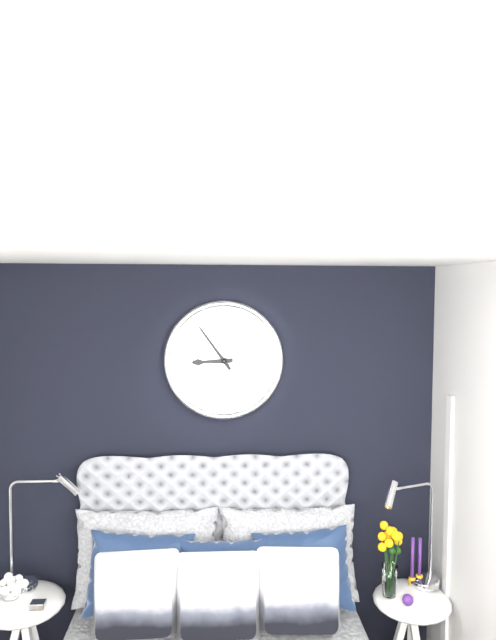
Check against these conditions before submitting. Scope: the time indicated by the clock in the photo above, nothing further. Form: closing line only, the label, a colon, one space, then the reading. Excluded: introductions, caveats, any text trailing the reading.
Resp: 8:54
